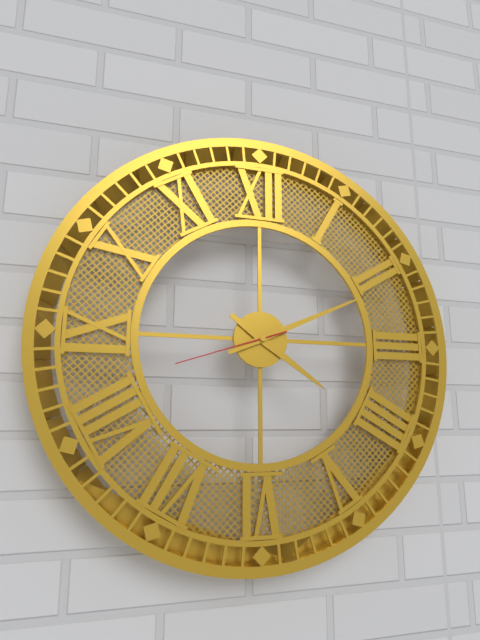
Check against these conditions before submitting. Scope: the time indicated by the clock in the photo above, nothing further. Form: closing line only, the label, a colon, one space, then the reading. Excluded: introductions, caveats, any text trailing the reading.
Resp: 4:11:42
